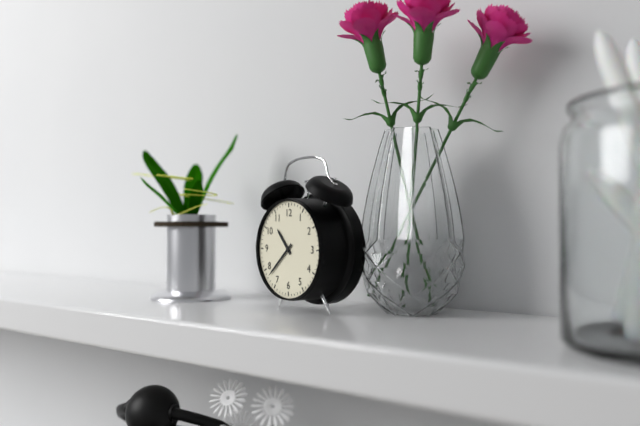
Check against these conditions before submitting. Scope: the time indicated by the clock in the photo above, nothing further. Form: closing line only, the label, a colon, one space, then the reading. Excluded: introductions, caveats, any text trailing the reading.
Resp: 10:38
